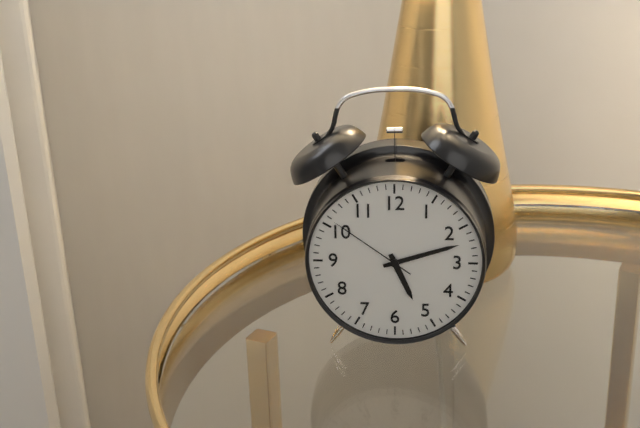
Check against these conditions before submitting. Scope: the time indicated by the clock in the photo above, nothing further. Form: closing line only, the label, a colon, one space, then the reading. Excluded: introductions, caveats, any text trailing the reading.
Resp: 5:12:51
